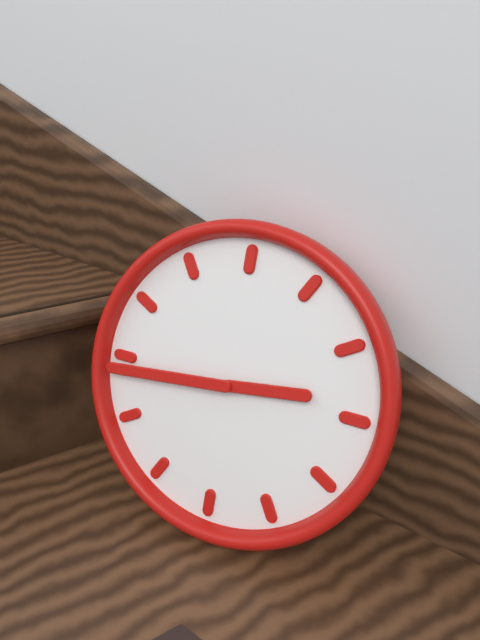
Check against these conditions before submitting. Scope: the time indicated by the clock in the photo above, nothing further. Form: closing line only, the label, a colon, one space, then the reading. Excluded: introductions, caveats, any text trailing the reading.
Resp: 2:44
